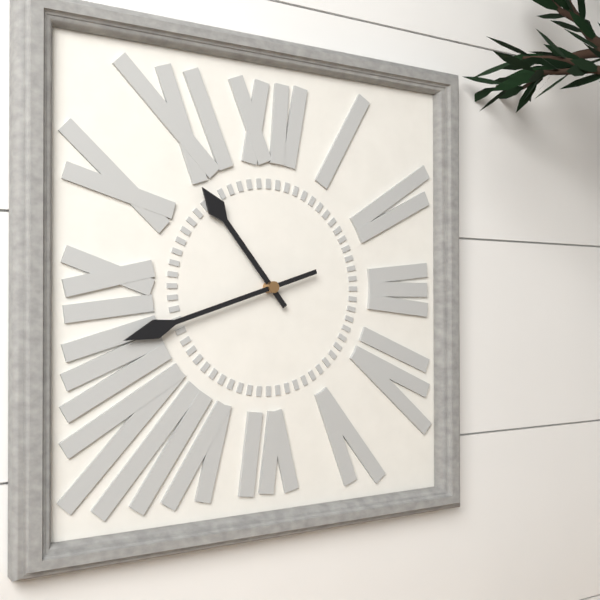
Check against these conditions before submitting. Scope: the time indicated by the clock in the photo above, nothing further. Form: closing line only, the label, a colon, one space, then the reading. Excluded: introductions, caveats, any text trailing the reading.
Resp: 10:42
